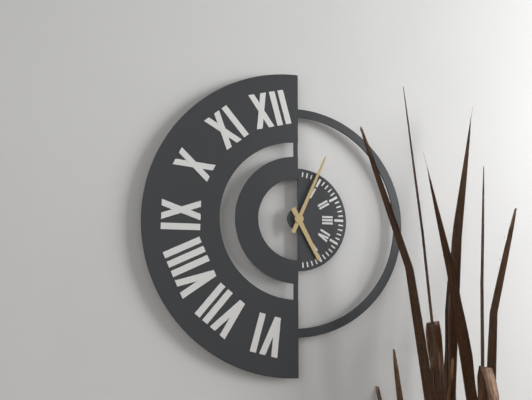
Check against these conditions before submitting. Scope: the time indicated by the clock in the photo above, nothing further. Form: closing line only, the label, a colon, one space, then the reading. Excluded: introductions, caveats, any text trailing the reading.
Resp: 5:04
